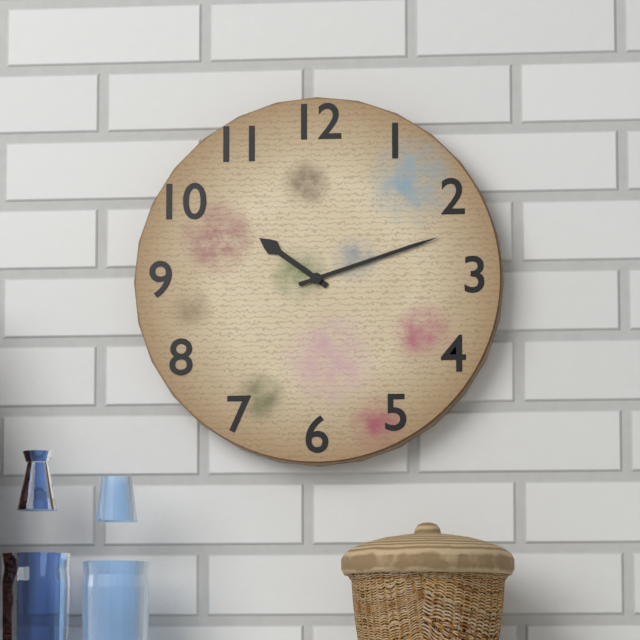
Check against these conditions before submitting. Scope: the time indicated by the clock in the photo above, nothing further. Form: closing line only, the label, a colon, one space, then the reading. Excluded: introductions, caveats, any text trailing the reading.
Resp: 10:12
